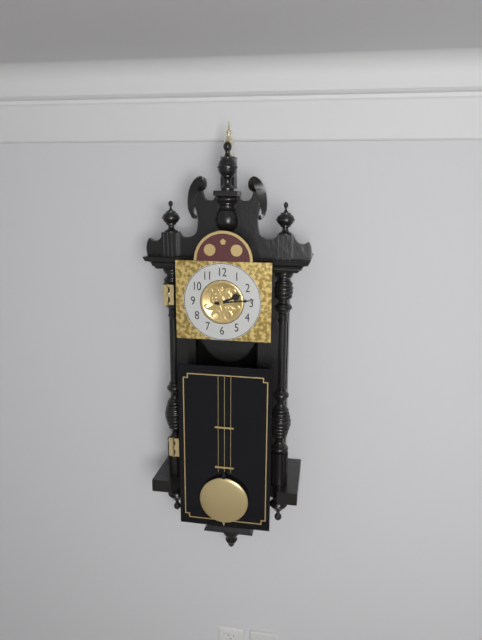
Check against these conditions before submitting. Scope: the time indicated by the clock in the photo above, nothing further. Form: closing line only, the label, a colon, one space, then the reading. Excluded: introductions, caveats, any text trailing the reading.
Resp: 2:14
